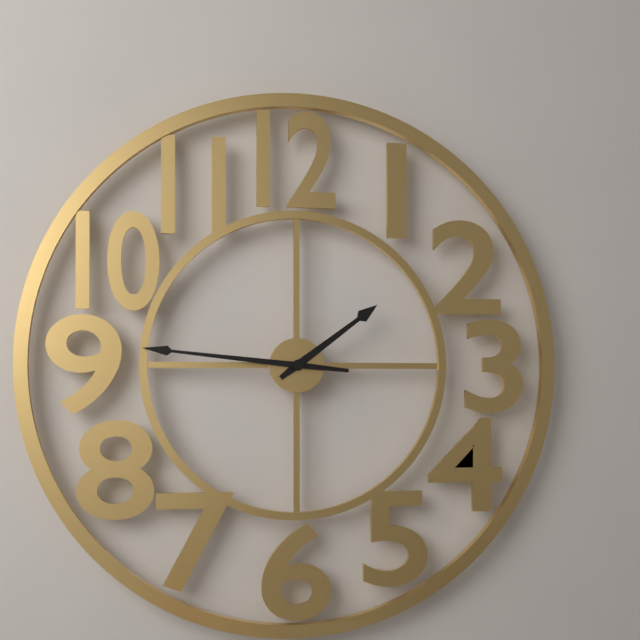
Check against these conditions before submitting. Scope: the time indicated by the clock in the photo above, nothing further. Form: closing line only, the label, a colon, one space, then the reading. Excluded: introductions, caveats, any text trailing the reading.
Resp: 1:46
